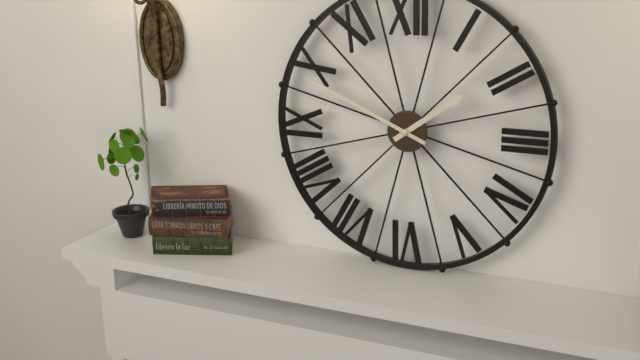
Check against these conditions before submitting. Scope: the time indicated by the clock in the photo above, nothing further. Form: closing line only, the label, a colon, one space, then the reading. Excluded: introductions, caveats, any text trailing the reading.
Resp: 1:49
